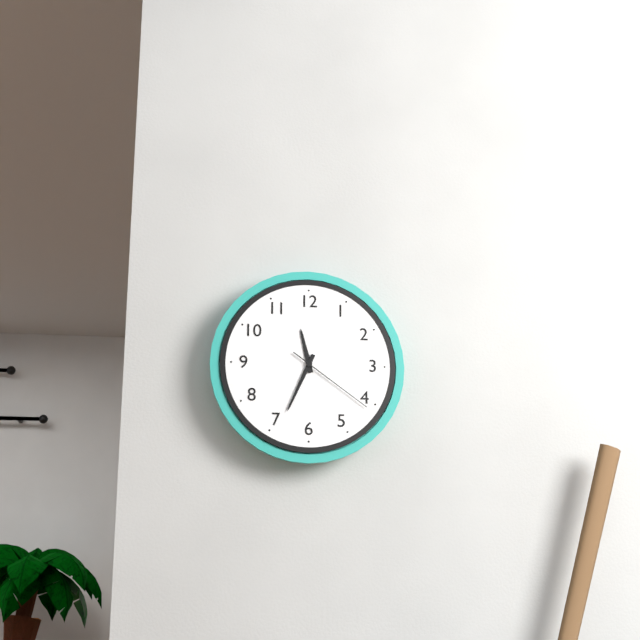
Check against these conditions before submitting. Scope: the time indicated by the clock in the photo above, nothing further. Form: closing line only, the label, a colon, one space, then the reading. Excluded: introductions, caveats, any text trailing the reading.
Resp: 11:34:21
